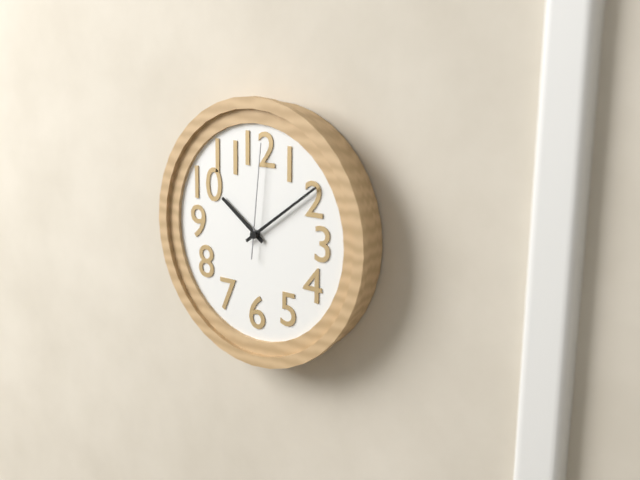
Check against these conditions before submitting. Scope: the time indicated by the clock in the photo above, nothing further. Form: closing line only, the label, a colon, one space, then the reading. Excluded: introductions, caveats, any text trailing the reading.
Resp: 10:09:01
